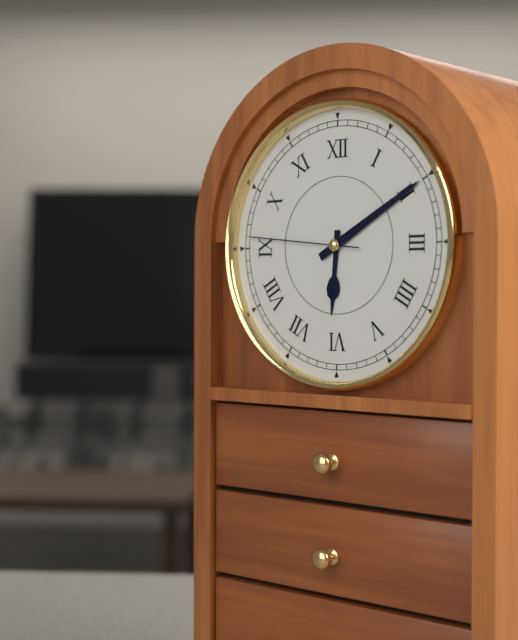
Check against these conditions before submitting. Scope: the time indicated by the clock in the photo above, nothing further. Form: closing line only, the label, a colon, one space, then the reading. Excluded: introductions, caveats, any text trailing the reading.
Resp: 6:10:46
